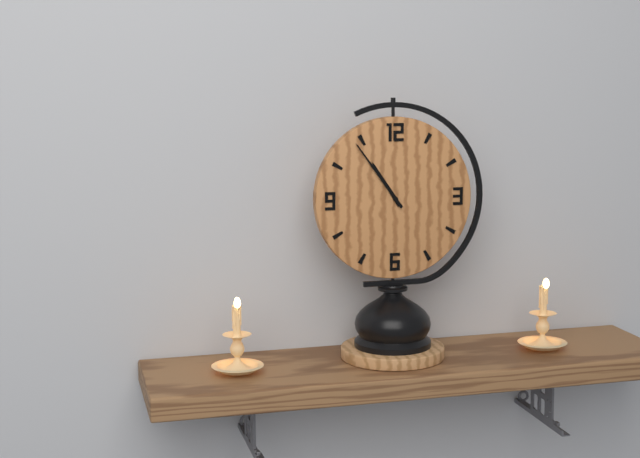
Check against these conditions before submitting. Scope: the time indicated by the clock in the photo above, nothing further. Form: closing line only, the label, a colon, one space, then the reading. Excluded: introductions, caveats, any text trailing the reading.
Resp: 10:54
